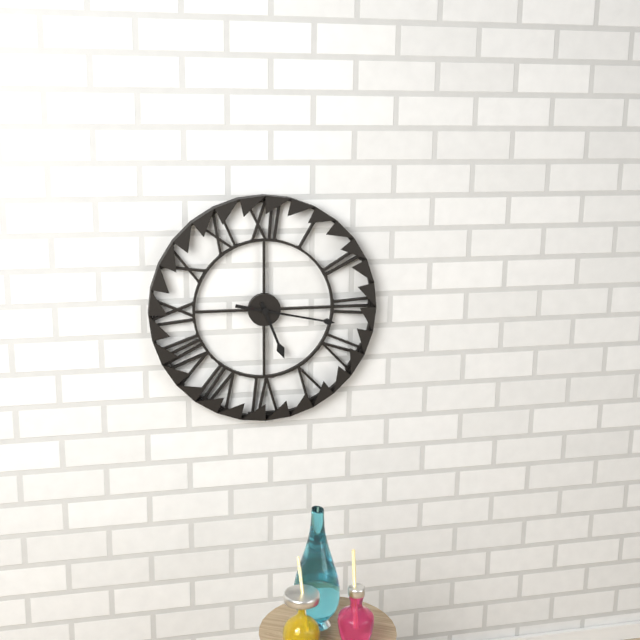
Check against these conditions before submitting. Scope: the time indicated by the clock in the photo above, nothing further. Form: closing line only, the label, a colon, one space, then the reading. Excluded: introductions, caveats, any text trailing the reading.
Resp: 5:17
